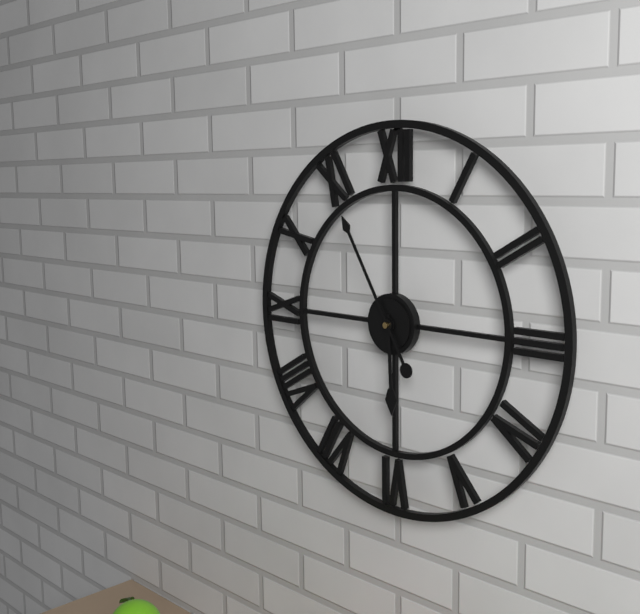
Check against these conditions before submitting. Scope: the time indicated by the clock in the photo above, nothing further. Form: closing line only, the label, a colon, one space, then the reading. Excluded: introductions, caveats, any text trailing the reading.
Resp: 5:55
